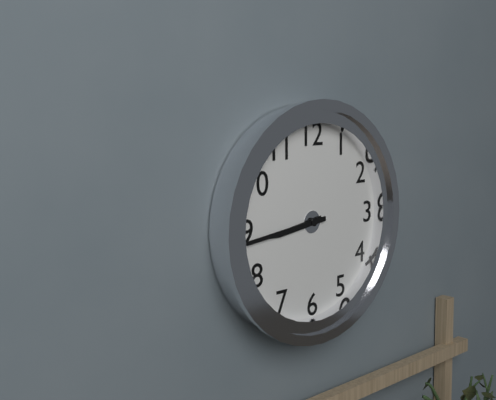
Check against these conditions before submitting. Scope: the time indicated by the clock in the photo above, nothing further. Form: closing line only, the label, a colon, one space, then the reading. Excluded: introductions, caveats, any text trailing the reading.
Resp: 8:44
